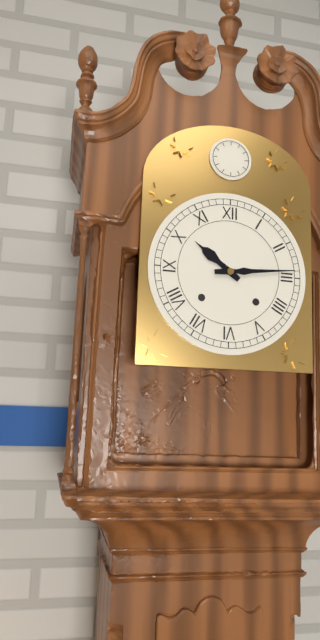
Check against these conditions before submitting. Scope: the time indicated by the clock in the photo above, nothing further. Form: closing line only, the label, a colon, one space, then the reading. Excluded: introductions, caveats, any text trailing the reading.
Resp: 10:14
